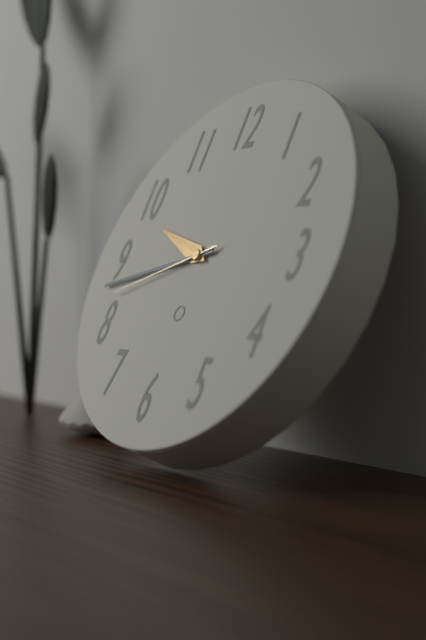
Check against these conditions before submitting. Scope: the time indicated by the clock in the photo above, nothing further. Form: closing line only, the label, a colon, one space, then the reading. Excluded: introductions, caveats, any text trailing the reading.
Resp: 9:43:42
